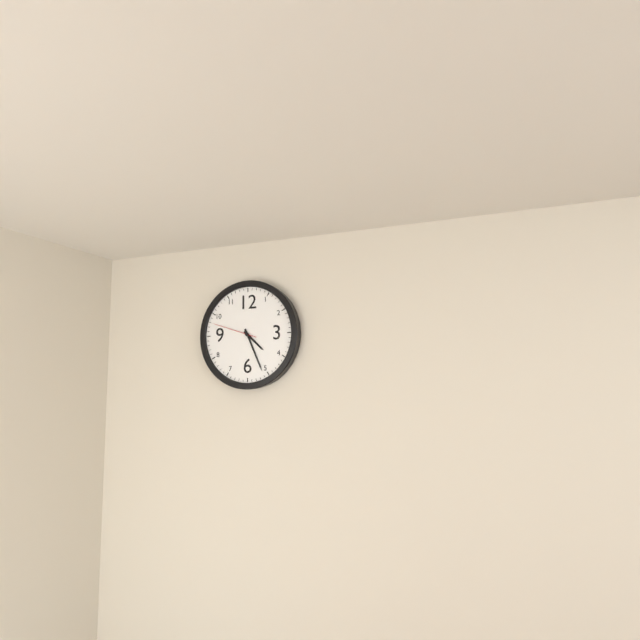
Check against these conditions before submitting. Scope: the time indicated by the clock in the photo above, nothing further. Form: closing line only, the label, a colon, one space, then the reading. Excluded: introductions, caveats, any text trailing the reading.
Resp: 4:26
